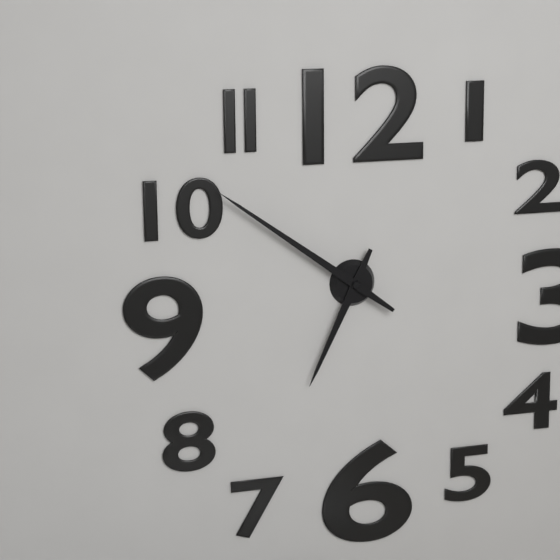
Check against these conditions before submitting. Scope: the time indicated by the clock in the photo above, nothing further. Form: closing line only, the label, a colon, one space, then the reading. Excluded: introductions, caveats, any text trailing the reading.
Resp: 6:51
